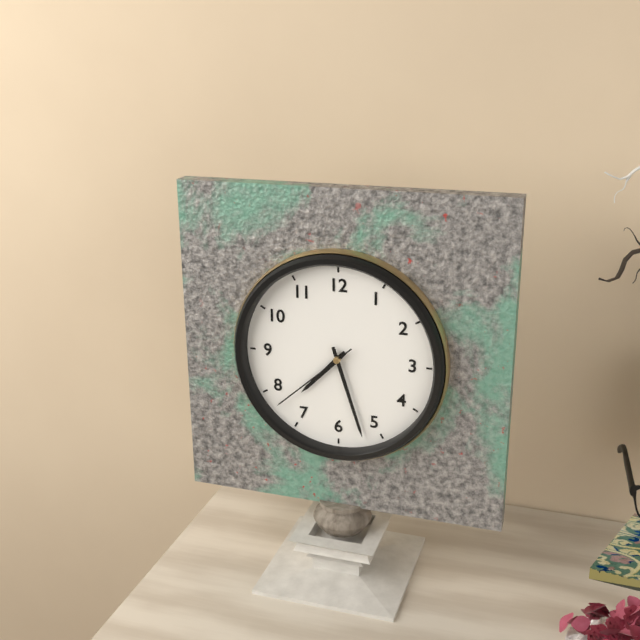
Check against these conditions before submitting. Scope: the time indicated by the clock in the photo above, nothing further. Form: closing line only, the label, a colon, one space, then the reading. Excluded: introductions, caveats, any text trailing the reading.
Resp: 7:27:38
